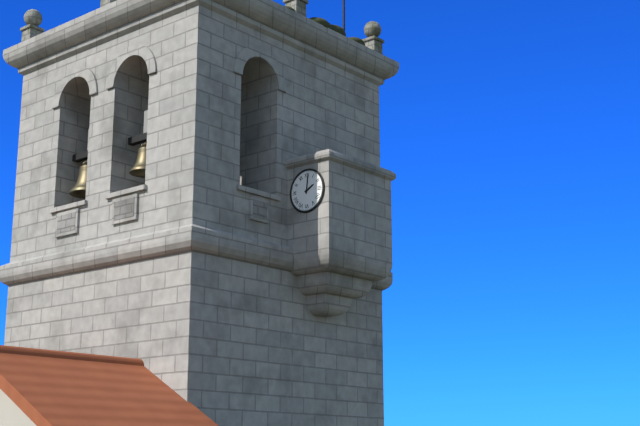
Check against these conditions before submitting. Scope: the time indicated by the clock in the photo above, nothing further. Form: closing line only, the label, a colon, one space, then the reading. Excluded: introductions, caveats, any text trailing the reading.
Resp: 2:01
